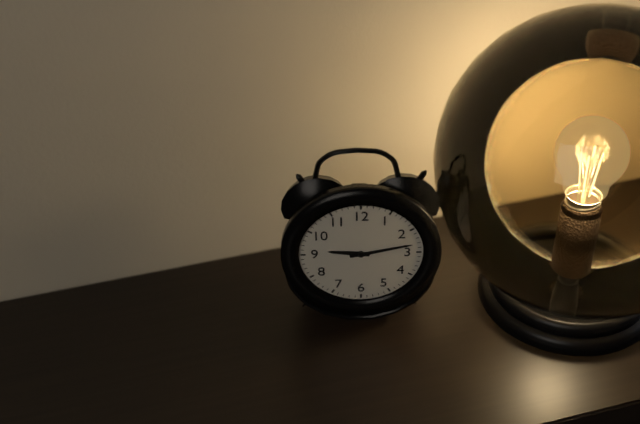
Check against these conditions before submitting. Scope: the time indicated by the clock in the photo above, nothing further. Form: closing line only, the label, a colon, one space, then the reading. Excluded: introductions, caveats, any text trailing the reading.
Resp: 9:13
